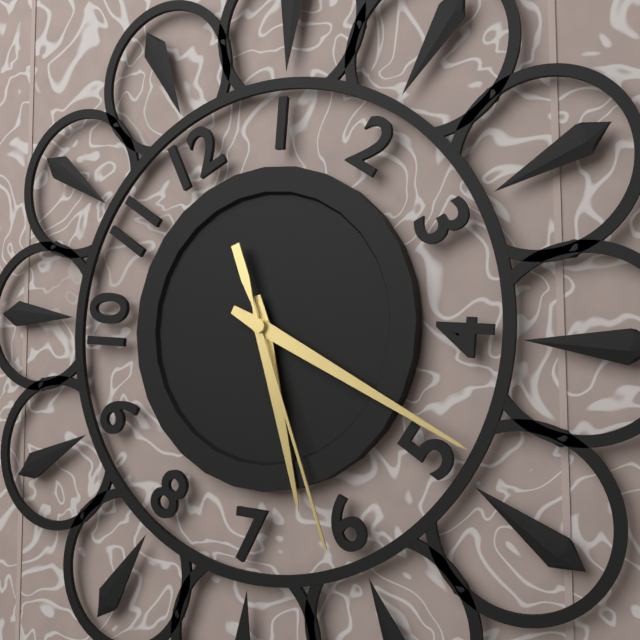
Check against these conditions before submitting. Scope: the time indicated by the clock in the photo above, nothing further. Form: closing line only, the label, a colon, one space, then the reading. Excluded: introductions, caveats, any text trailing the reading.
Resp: 6:24:31
